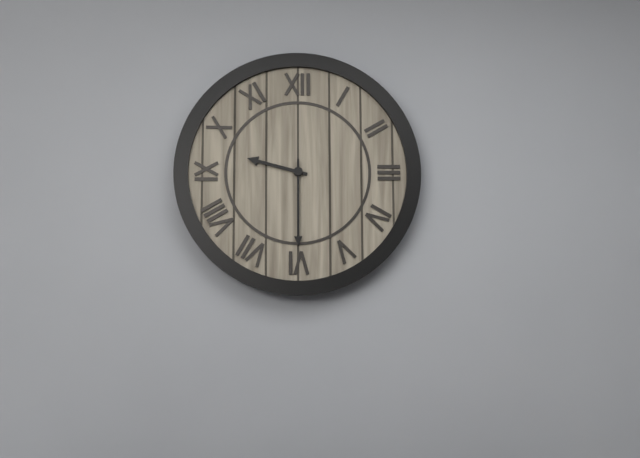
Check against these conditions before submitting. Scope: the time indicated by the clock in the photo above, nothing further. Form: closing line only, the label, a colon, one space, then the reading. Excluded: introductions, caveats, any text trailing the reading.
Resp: 9:30
